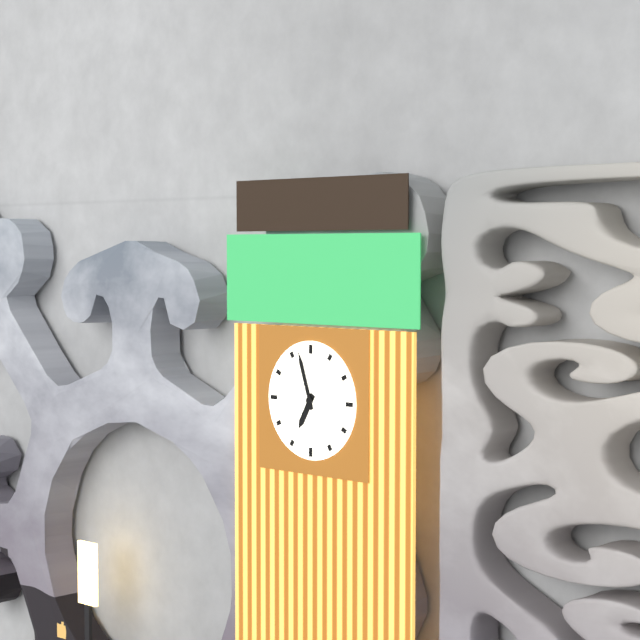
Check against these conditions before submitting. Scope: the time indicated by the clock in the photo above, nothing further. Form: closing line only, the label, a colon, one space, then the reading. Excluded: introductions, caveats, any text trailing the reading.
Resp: 6:57
